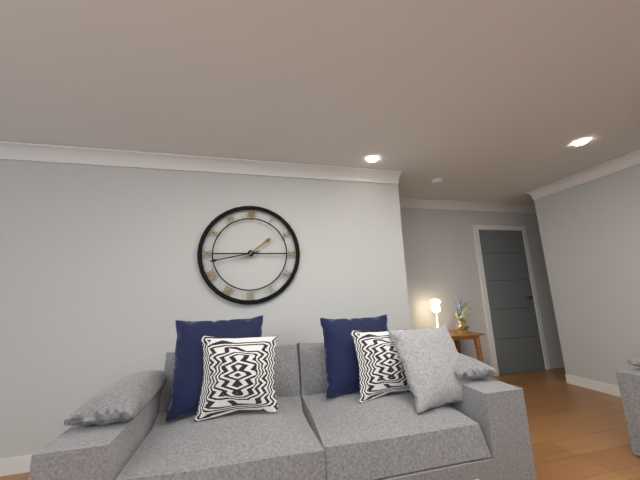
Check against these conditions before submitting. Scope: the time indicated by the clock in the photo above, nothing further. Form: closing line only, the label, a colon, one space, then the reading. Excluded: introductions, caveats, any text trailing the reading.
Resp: 1:43
